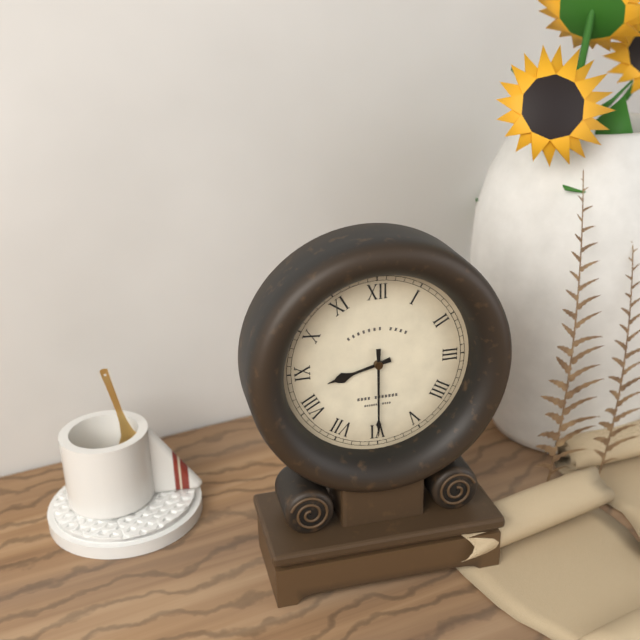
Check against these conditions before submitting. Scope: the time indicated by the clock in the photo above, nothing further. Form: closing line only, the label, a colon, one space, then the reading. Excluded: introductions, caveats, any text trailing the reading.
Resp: 8:30
